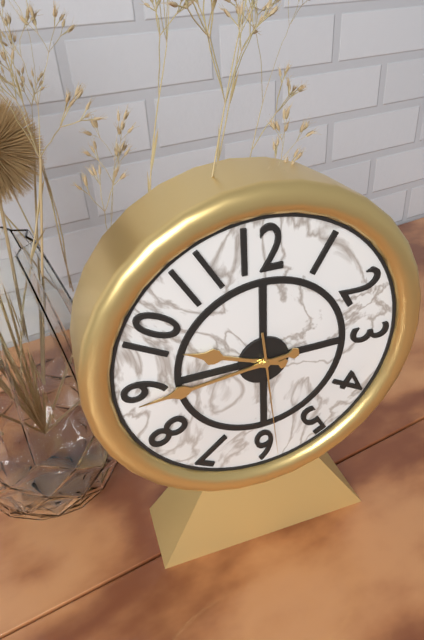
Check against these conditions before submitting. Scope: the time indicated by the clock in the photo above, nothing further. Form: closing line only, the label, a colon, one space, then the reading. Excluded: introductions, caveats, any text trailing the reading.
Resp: 9:44:29
